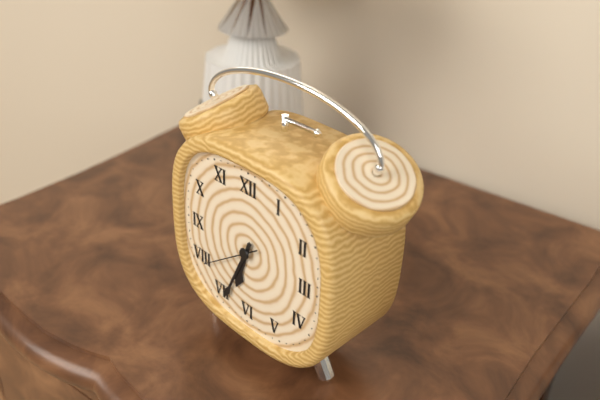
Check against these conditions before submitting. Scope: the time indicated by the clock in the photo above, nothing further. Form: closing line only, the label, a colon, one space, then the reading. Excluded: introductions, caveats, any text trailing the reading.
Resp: 6:34:39
